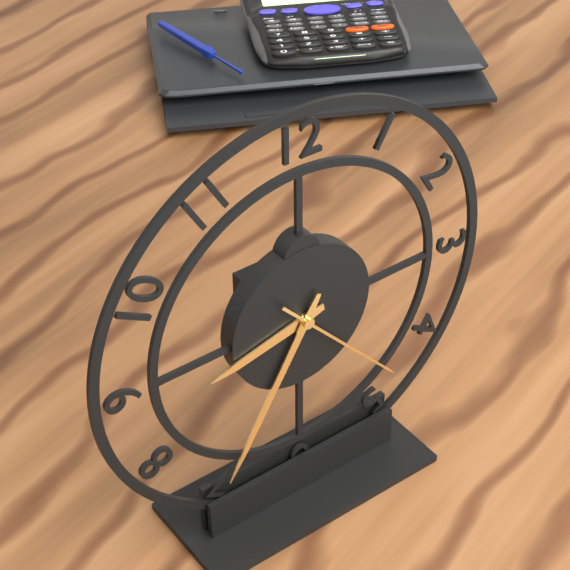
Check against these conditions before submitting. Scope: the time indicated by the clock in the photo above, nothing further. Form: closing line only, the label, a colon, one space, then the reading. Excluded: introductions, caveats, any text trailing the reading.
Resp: 8:35:23
